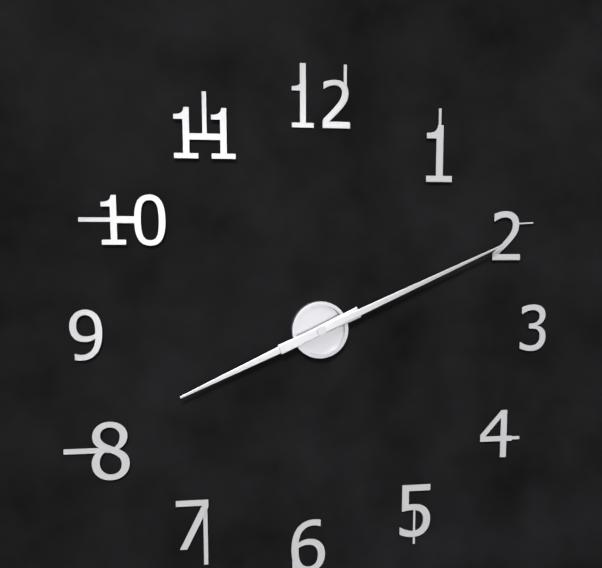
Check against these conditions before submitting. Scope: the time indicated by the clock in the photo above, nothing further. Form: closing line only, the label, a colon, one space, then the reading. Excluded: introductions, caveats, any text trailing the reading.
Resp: 8:11
